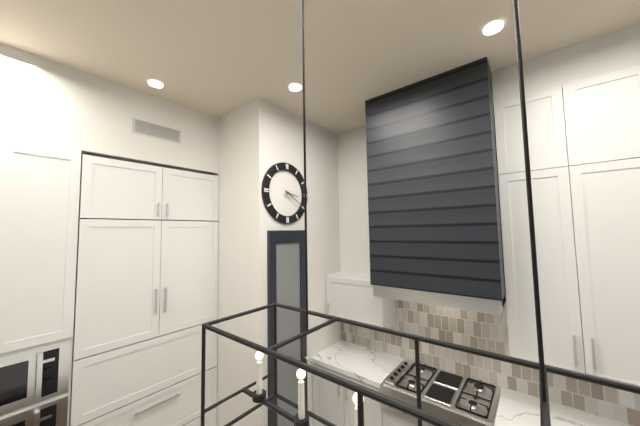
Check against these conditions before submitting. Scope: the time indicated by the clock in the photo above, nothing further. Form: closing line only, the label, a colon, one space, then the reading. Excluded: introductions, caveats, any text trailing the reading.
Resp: 3:20
